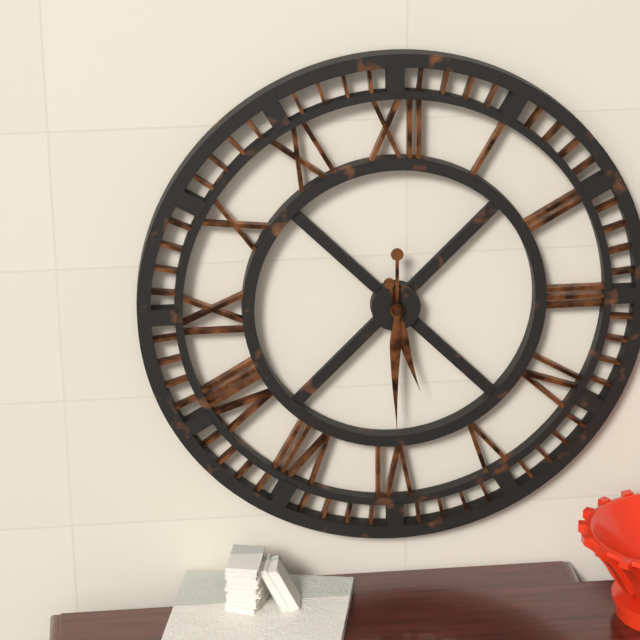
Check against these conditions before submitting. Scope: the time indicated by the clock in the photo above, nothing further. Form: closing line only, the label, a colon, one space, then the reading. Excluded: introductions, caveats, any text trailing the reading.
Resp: 5:30
